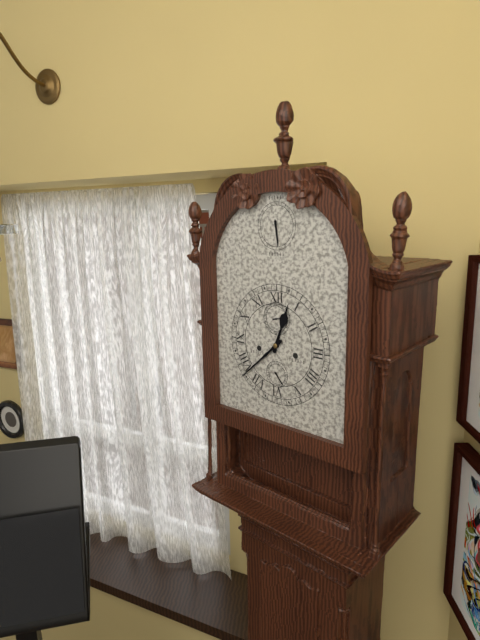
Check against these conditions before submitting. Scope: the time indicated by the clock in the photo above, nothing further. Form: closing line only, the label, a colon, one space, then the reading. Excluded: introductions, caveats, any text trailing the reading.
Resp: 12:38
